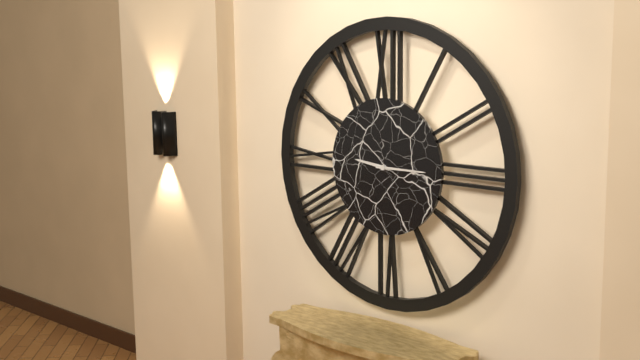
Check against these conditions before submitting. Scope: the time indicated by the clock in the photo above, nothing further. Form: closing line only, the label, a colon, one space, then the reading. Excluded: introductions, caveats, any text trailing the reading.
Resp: 9:15
